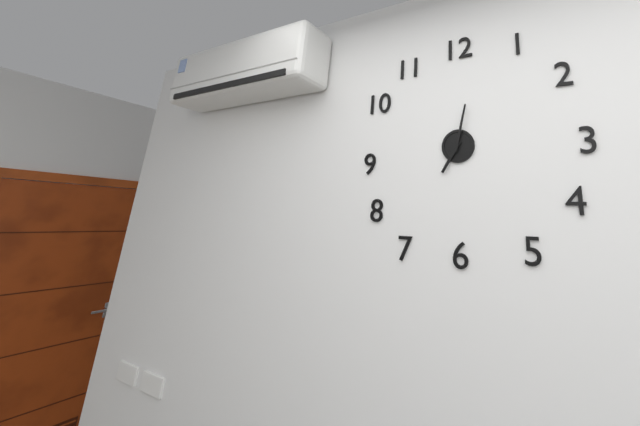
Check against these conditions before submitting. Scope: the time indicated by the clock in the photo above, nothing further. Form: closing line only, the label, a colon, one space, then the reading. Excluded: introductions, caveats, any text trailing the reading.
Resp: 7:02
